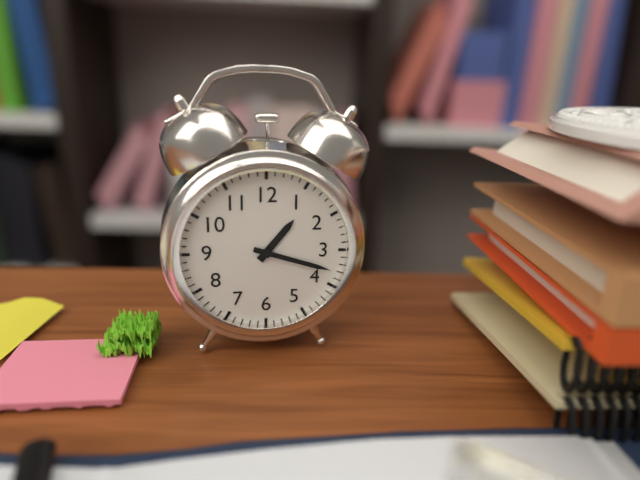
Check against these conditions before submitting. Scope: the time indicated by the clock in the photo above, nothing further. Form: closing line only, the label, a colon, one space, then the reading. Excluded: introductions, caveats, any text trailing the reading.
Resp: 1:18
